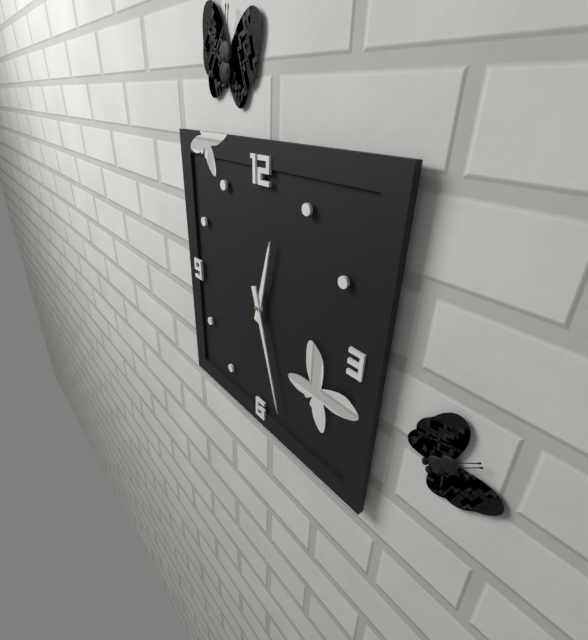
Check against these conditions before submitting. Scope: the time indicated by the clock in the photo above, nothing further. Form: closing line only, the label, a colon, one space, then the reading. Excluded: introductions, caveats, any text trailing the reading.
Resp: 12:27
